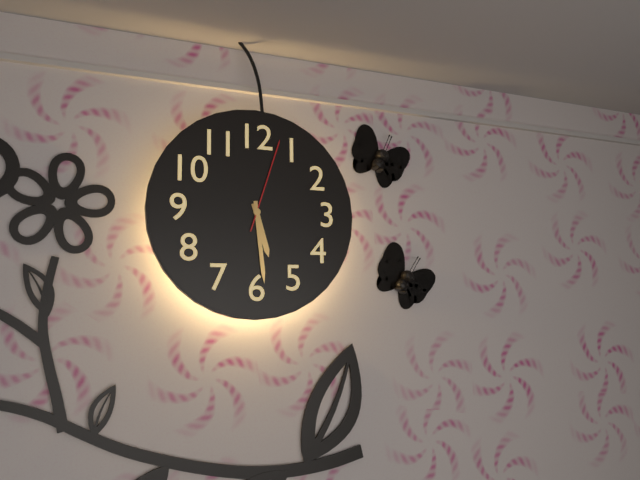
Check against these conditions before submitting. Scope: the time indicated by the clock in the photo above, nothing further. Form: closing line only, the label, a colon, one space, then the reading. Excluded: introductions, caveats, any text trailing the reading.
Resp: 5:29:03
